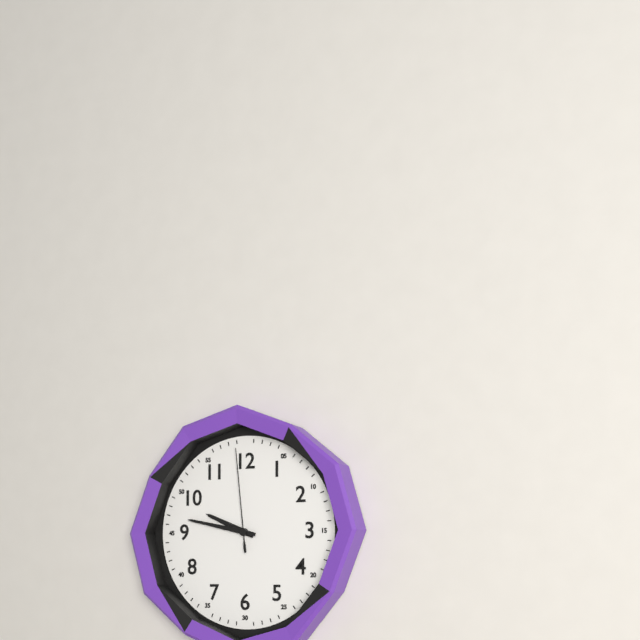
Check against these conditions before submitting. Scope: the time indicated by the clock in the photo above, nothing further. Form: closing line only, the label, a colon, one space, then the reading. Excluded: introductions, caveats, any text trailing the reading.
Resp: 9:47:59
